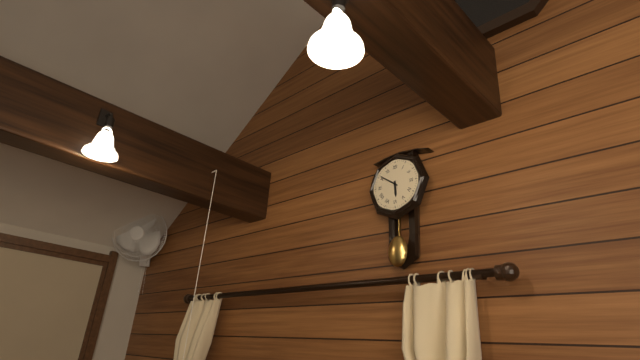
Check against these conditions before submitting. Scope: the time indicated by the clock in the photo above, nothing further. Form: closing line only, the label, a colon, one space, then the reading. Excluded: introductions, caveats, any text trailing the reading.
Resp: 5:51
